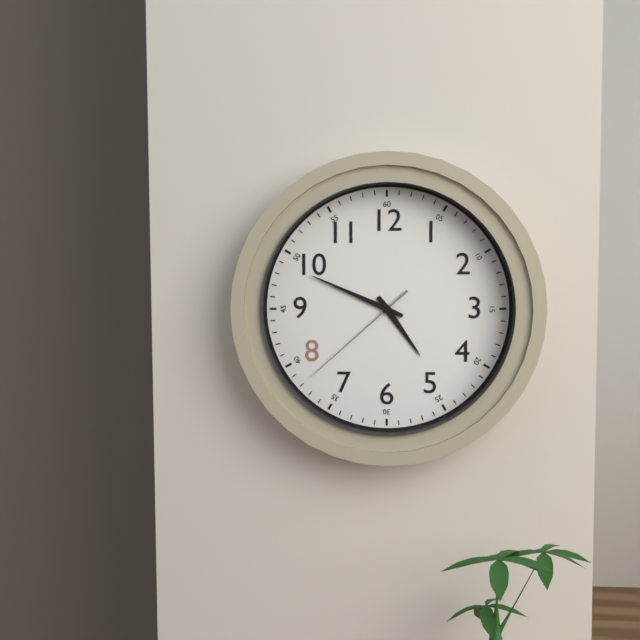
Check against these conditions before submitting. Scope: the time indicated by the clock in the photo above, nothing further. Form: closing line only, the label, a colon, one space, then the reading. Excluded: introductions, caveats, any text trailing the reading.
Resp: 4:49:38
